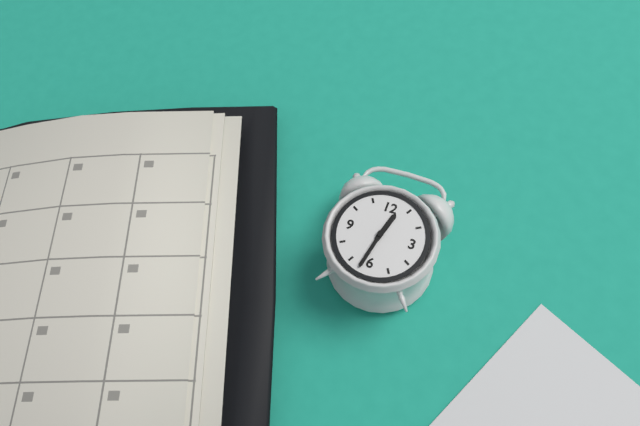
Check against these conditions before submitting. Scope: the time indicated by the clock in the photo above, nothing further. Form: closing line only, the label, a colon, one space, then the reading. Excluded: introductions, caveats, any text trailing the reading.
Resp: 12:32
